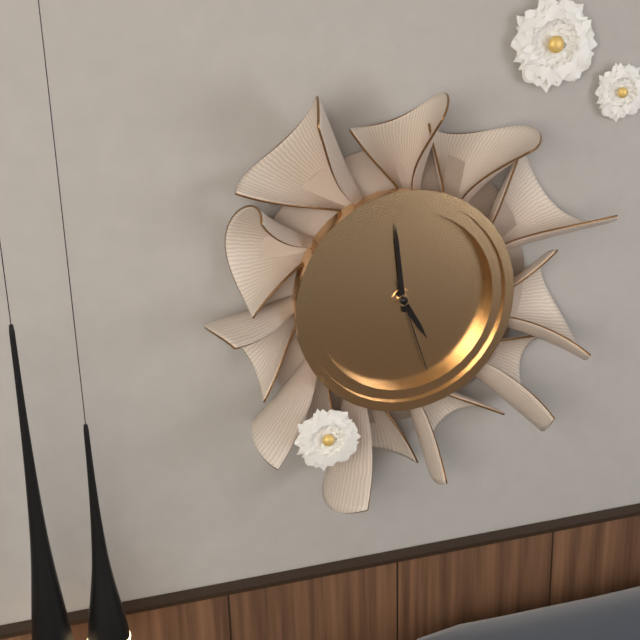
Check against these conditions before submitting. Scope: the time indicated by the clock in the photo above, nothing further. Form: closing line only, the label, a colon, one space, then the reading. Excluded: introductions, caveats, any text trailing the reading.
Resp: 4:59:27
